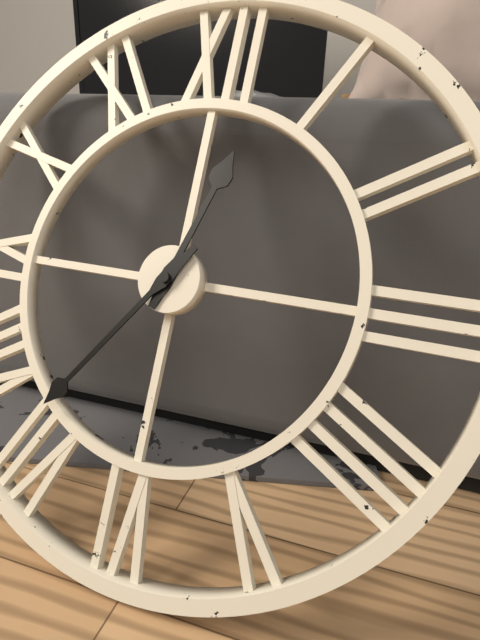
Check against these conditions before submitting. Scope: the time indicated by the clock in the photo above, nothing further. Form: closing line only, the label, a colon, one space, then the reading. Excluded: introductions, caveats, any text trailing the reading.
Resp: 12:36
